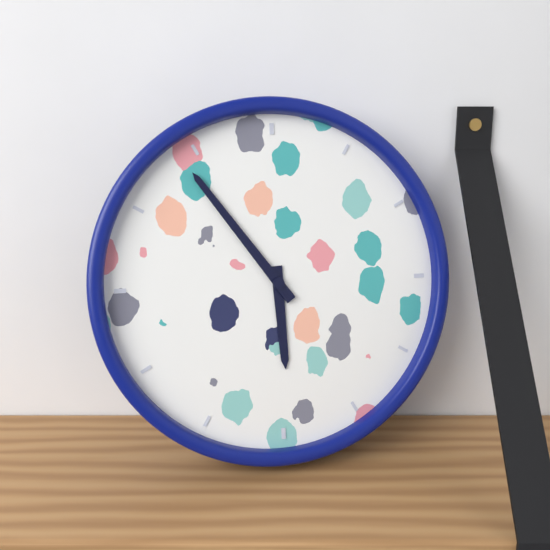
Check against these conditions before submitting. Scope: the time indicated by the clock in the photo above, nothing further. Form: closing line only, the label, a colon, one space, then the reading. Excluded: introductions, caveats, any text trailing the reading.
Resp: 5:54
